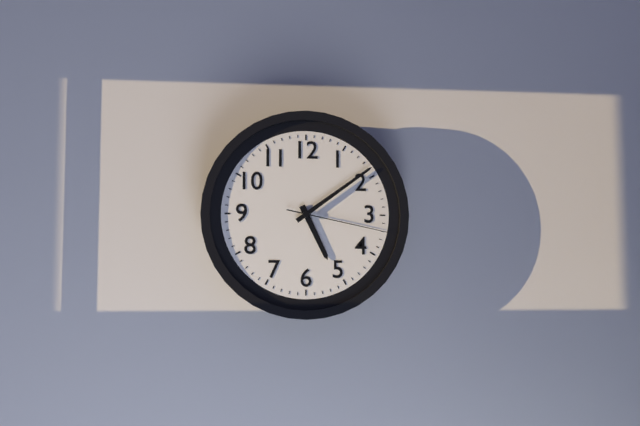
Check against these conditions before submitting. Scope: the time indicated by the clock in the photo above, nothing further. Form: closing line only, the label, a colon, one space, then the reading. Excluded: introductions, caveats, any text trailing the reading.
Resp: 5:09:17
